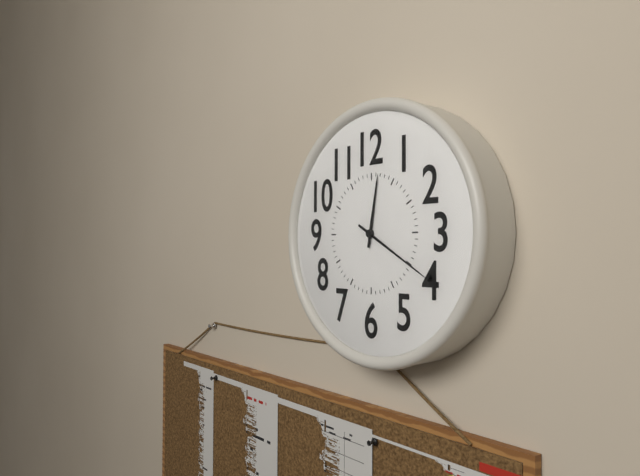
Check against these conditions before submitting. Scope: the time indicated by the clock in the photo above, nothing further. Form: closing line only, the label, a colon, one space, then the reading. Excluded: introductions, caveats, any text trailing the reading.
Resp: 12:20
